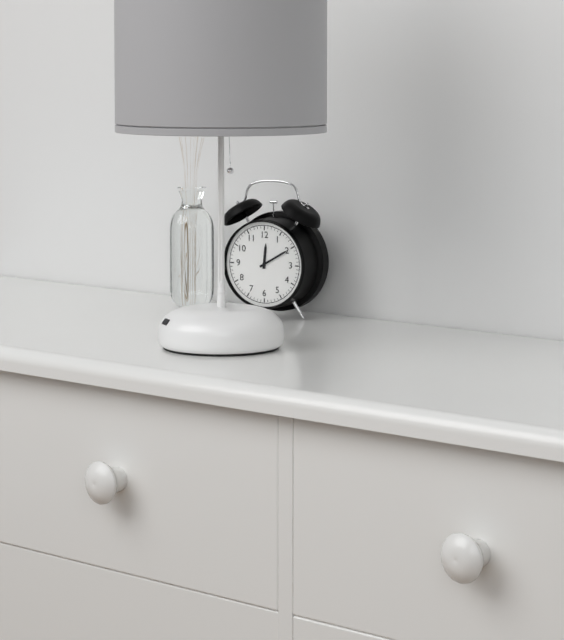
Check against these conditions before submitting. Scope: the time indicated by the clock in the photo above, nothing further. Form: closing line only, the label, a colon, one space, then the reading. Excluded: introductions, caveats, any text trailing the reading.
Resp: 12:10
